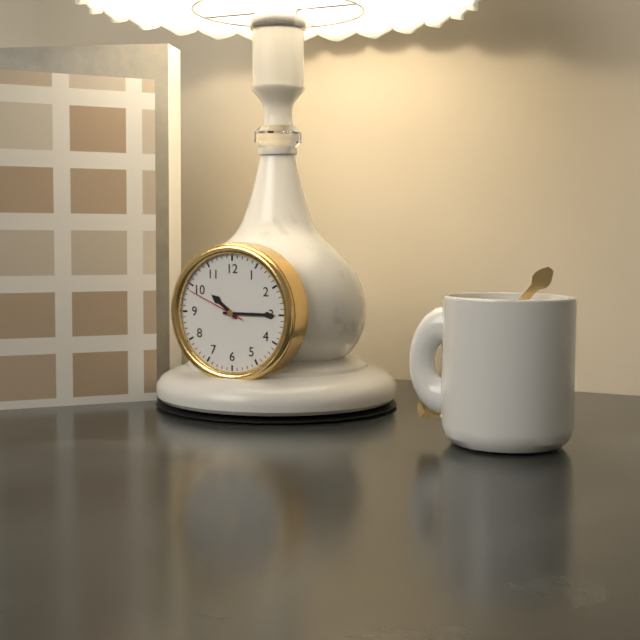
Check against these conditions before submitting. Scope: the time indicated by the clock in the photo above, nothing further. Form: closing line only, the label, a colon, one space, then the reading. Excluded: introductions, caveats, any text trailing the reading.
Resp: 10:15:49
